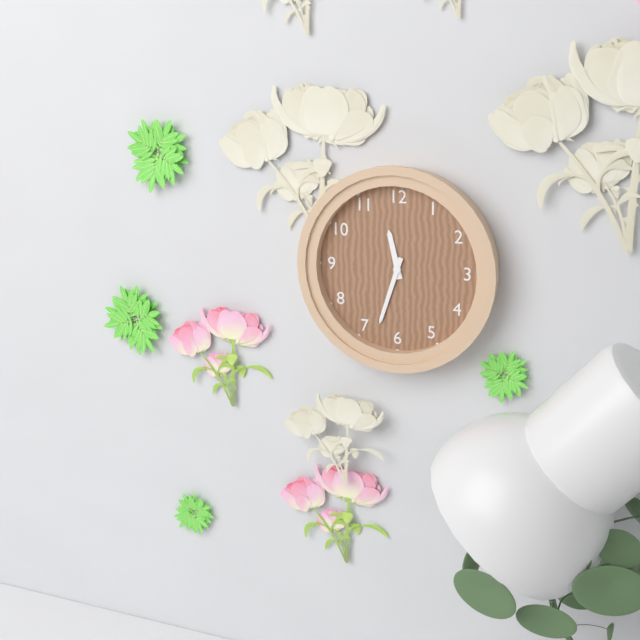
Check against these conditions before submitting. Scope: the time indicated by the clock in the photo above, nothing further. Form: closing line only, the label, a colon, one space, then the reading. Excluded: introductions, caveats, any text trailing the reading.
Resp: 11:33
